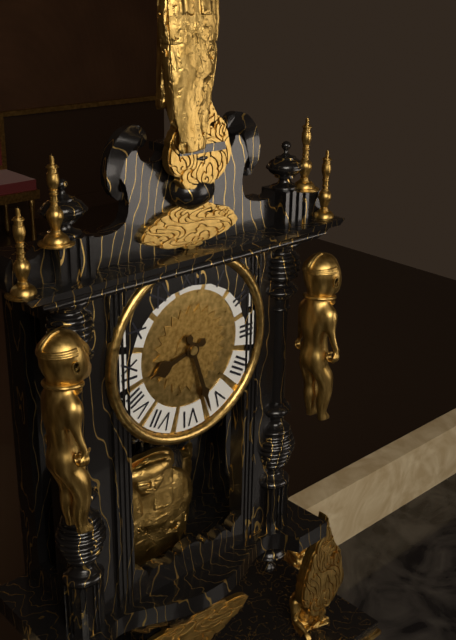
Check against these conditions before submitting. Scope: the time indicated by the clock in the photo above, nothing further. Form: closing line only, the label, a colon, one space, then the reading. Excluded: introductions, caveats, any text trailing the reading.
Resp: 8:27
